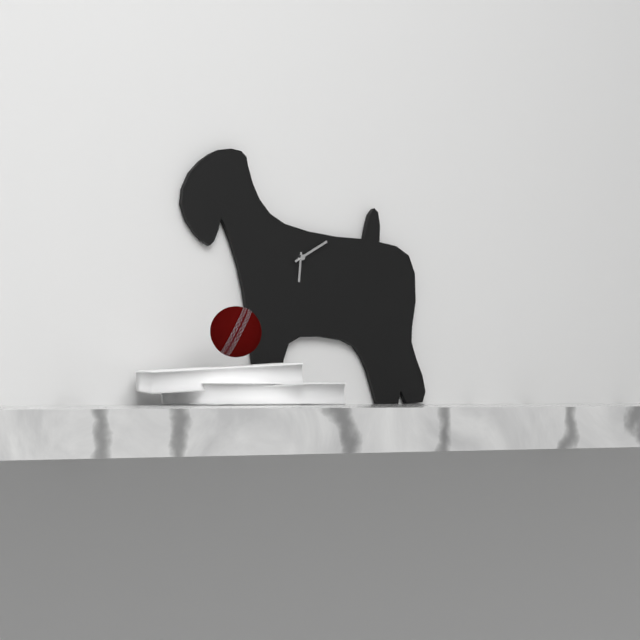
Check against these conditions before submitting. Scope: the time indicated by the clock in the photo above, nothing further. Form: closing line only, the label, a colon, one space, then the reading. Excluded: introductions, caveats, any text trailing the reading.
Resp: 6:10
